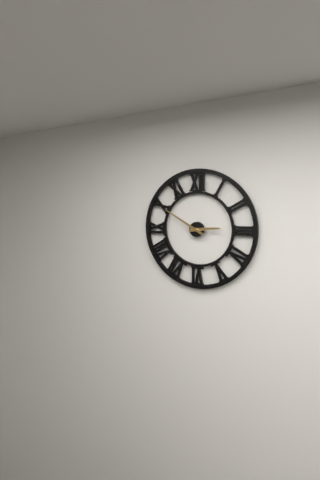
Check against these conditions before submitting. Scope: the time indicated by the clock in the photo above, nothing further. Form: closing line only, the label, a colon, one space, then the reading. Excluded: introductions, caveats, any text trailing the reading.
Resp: 2:50
